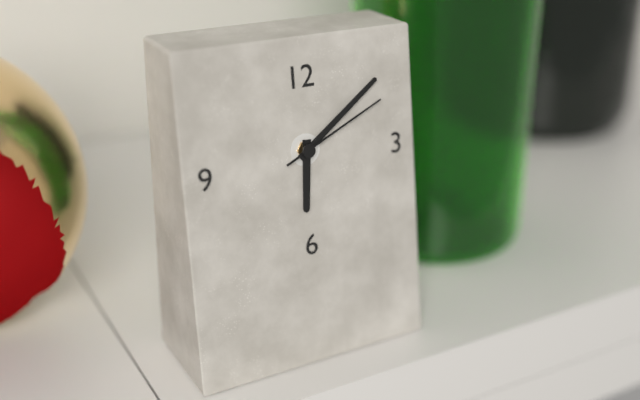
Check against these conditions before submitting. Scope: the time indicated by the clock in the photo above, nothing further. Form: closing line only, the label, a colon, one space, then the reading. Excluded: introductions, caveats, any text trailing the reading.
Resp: 6:09:11
